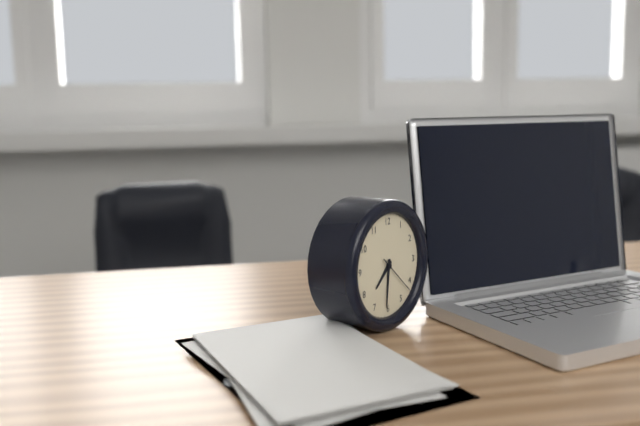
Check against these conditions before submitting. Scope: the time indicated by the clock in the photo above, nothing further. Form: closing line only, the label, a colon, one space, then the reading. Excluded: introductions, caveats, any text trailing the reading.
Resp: 7:31
